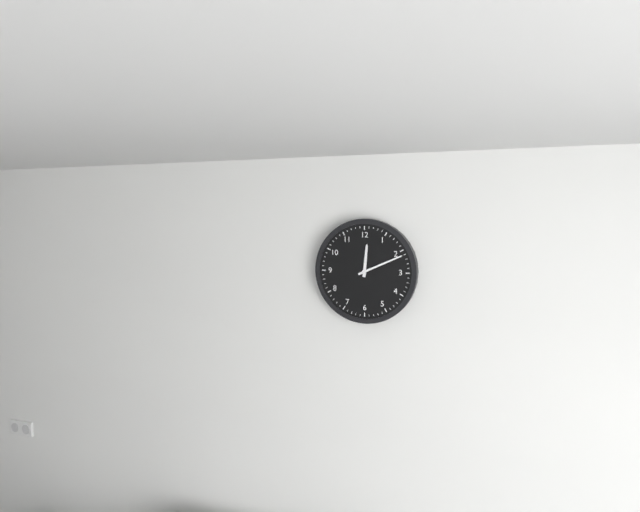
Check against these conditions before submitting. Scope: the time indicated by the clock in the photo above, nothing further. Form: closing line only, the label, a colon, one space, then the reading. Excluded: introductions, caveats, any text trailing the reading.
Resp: 12:11
